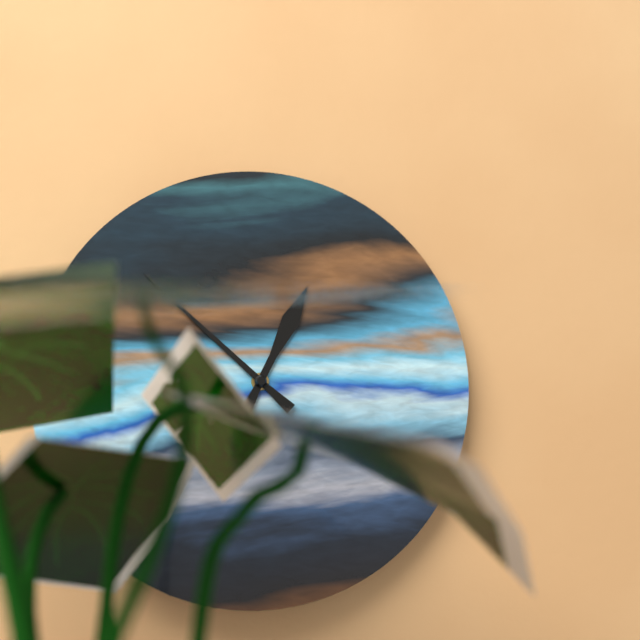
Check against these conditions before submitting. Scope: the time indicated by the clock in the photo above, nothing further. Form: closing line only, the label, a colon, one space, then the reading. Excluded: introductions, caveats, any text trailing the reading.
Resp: 12:52
